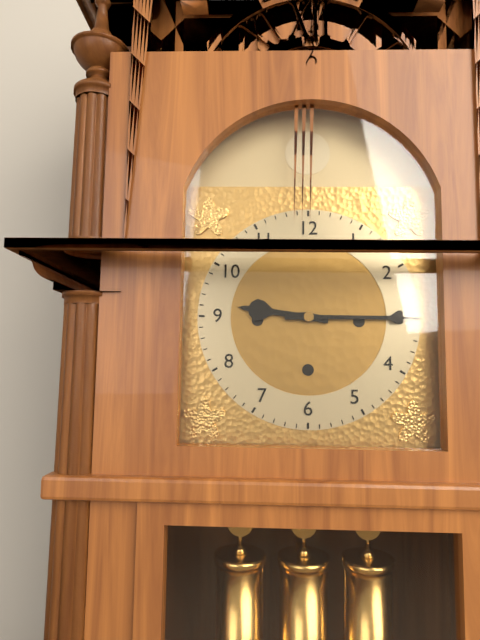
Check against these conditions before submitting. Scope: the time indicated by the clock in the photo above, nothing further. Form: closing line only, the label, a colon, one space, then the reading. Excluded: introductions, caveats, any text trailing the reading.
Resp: 9:15
